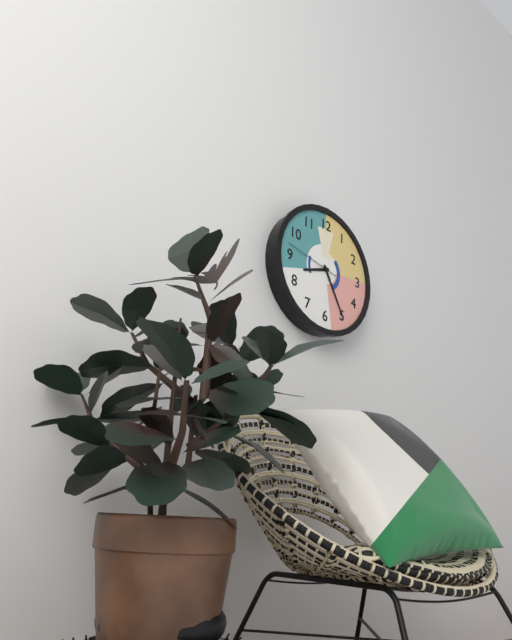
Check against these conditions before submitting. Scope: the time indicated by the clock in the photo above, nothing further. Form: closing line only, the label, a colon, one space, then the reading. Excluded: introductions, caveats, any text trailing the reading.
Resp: 8:25:47
